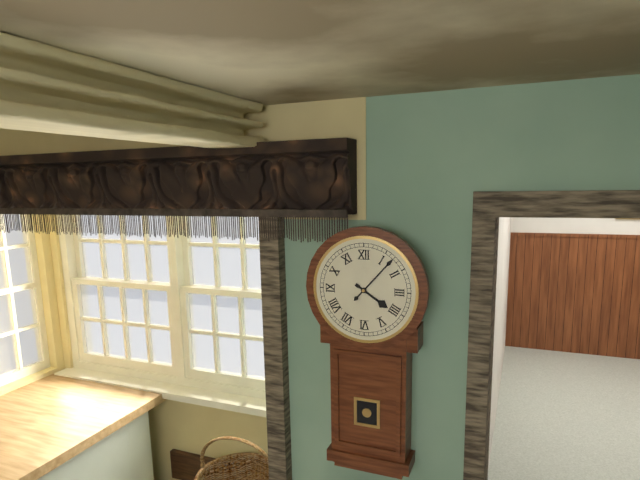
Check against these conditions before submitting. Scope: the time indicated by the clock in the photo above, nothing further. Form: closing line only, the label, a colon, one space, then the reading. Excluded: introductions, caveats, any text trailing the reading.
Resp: 4:07
